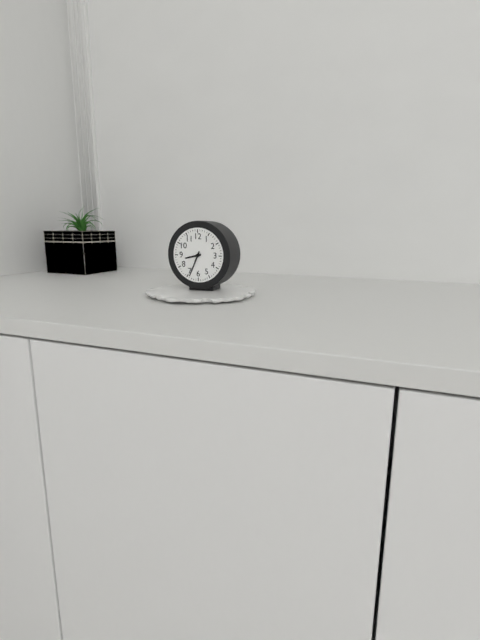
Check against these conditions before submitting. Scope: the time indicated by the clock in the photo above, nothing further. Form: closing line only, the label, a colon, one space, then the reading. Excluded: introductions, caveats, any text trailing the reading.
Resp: 8:34
